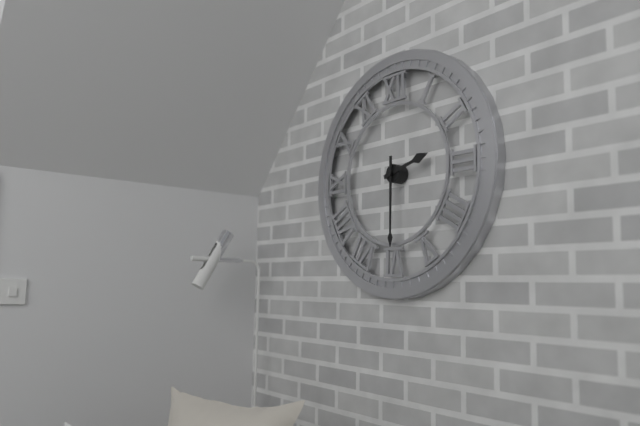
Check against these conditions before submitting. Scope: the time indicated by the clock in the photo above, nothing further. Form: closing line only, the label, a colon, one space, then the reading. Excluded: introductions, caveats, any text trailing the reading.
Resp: 2:30
